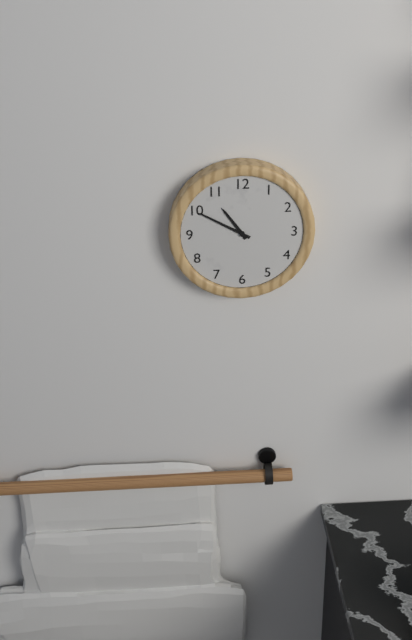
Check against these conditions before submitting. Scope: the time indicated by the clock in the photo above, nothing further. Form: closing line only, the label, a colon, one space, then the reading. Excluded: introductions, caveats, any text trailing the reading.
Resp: 10:50
